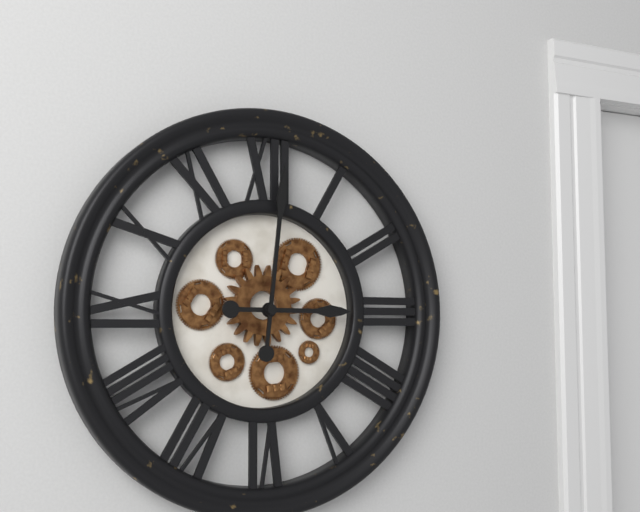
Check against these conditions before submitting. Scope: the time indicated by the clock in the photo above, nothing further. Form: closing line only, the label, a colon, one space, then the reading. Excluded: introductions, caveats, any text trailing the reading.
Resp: 3:01
